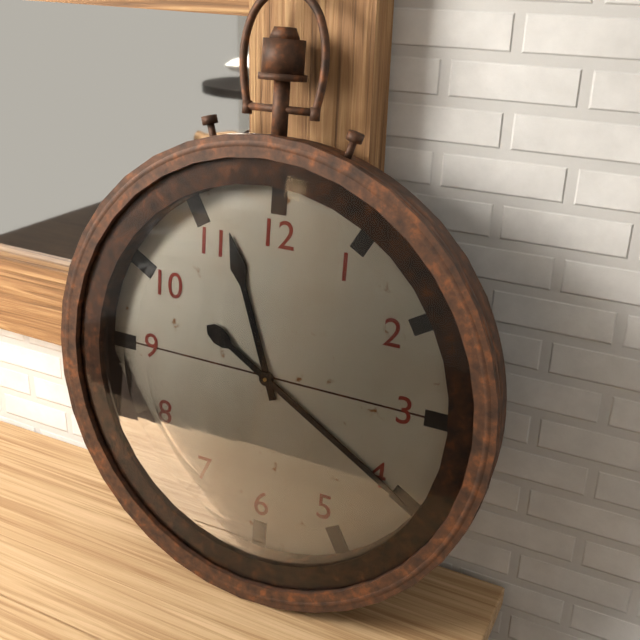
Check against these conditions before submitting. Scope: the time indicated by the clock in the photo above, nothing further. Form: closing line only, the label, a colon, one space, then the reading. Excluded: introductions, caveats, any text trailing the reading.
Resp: 11:20
